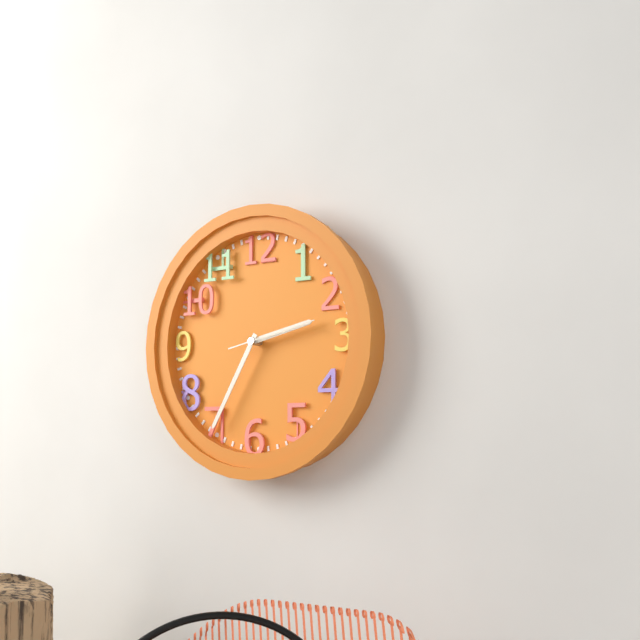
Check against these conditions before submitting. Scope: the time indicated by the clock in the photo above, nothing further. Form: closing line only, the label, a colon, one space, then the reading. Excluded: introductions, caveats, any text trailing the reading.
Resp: 2:35:13
